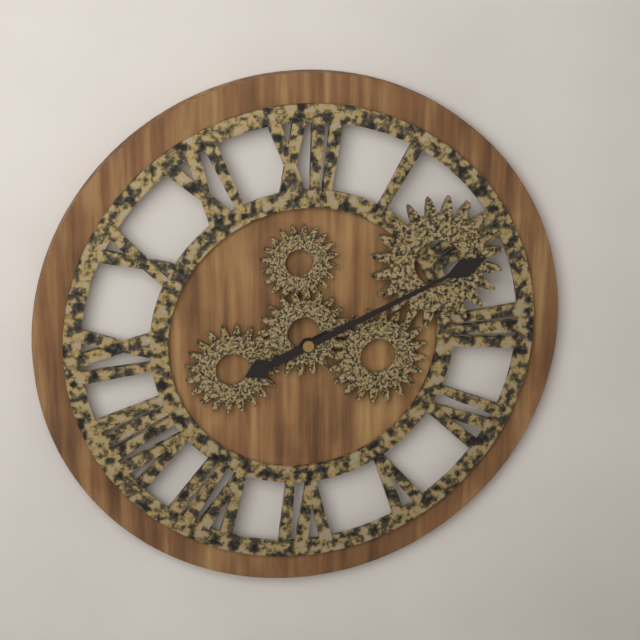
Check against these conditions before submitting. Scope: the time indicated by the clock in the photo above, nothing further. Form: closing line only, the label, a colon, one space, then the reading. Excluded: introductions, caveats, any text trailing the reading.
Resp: 8:11
